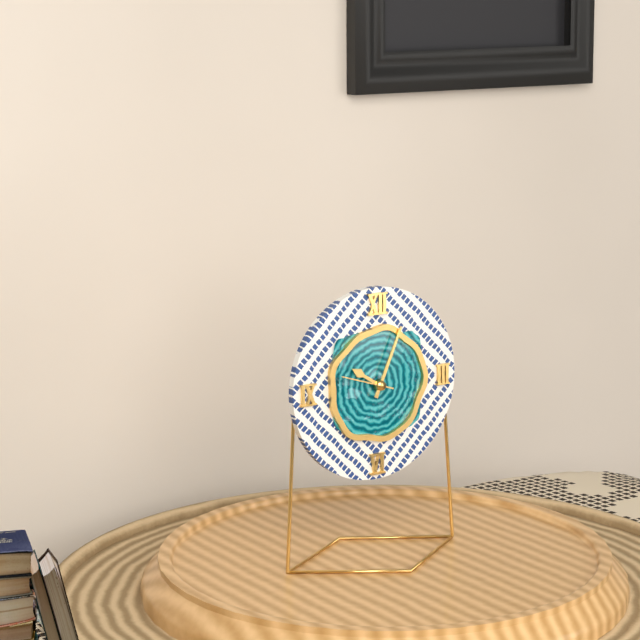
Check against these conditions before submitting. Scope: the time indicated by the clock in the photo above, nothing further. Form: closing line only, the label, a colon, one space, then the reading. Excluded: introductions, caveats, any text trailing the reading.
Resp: 10:04
